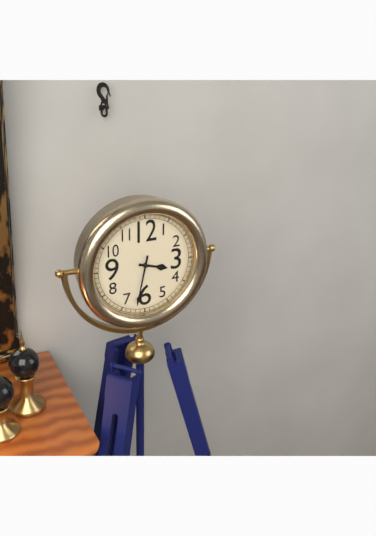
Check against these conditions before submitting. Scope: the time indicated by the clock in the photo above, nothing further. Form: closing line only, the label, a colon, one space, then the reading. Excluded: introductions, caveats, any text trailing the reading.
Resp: 3:32
